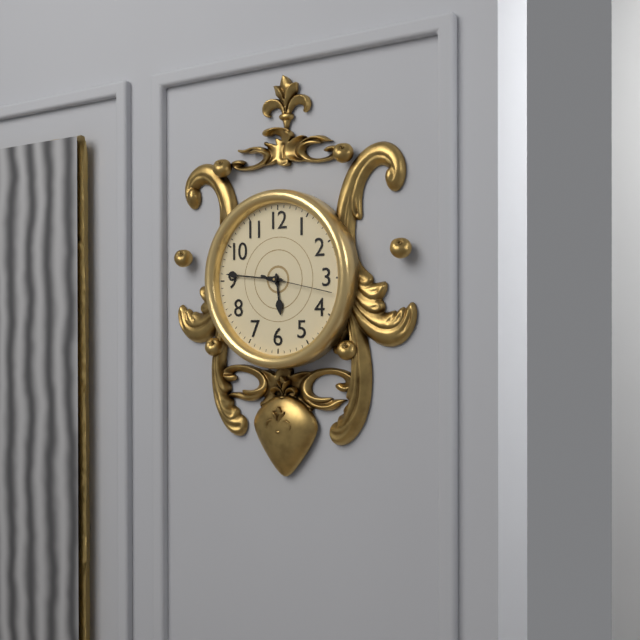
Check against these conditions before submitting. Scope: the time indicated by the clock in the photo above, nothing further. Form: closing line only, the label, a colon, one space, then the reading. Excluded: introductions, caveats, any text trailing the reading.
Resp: 5:46:17
